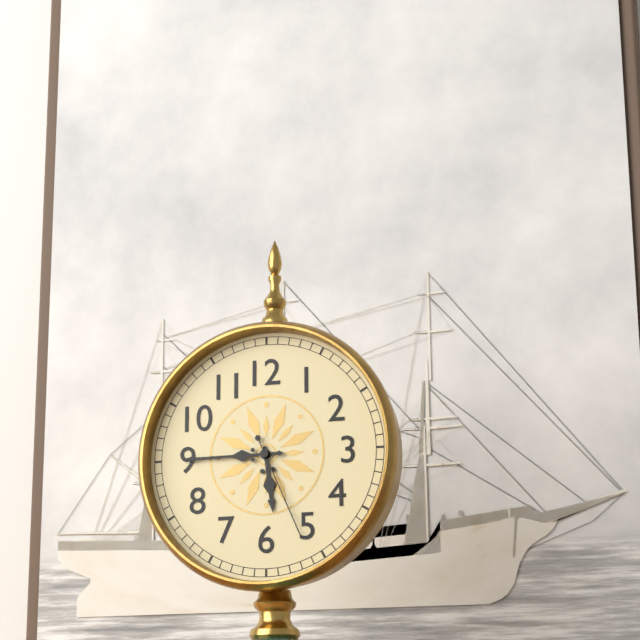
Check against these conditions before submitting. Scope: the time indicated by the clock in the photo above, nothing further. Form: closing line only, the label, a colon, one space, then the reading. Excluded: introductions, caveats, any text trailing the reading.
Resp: 5:45:26
